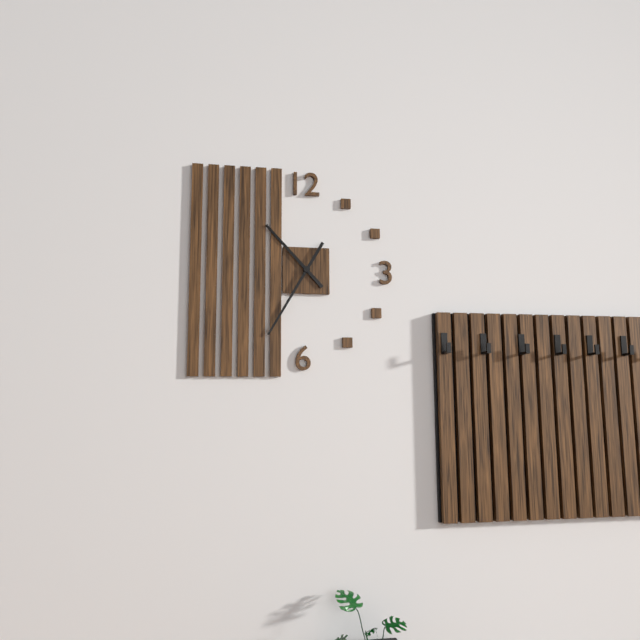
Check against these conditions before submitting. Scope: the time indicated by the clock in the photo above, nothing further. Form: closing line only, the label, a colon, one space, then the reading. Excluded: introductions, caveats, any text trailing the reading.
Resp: 10:35
